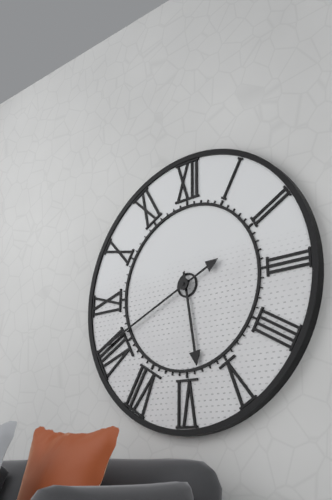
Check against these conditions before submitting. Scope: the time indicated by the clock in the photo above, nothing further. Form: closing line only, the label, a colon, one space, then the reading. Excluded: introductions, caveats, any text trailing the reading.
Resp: 5:41
